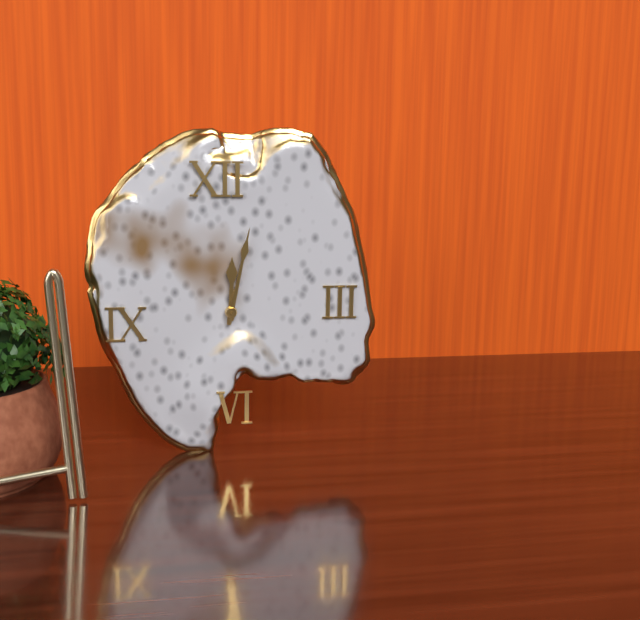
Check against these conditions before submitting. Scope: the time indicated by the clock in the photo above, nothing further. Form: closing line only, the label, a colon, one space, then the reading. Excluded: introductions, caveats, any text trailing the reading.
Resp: 12:02
